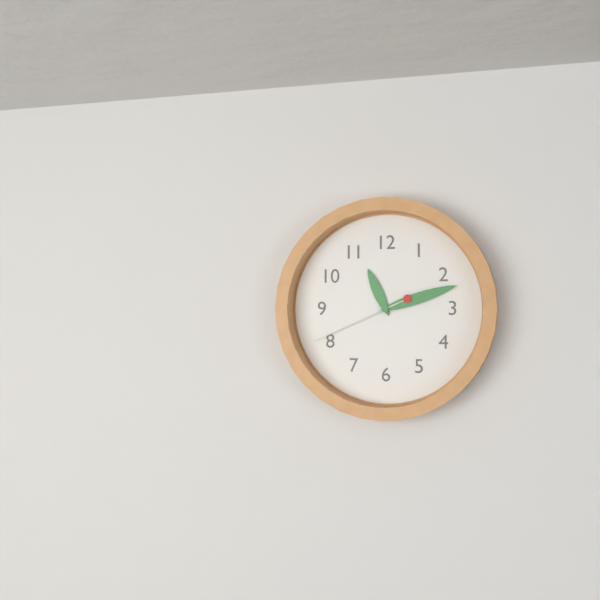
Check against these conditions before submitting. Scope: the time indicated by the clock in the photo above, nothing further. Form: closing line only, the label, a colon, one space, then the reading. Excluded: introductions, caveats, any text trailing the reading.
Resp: 11:12:41
